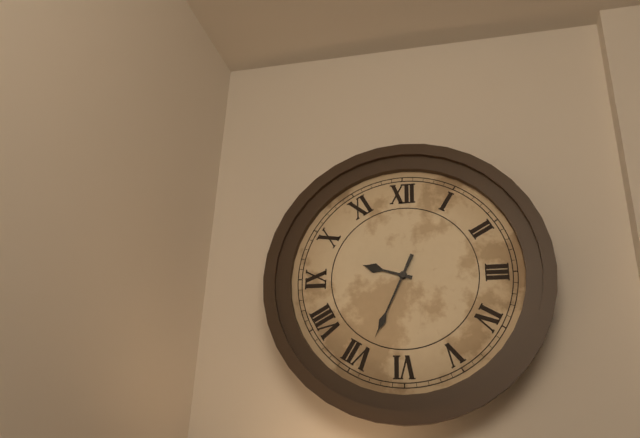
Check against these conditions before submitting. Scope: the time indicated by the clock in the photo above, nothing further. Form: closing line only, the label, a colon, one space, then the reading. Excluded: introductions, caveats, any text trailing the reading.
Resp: 9:34
